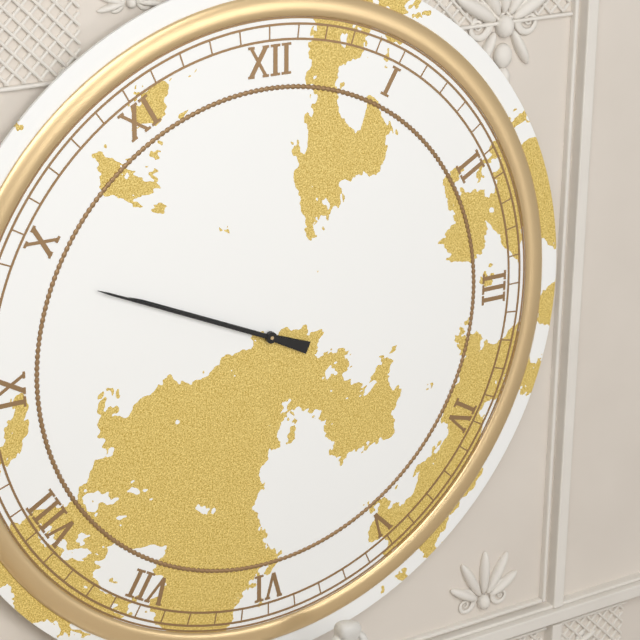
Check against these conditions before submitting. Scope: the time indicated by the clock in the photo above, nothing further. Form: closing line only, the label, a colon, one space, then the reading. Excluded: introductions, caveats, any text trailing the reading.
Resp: 9:49
